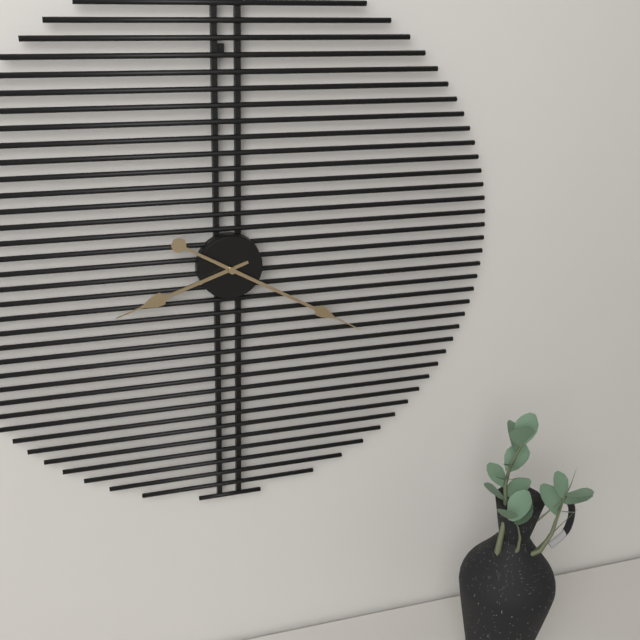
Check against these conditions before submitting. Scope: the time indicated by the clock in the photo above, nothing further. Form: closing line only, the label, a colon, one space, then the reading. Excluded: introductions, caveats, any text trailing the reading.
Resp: 8:20
